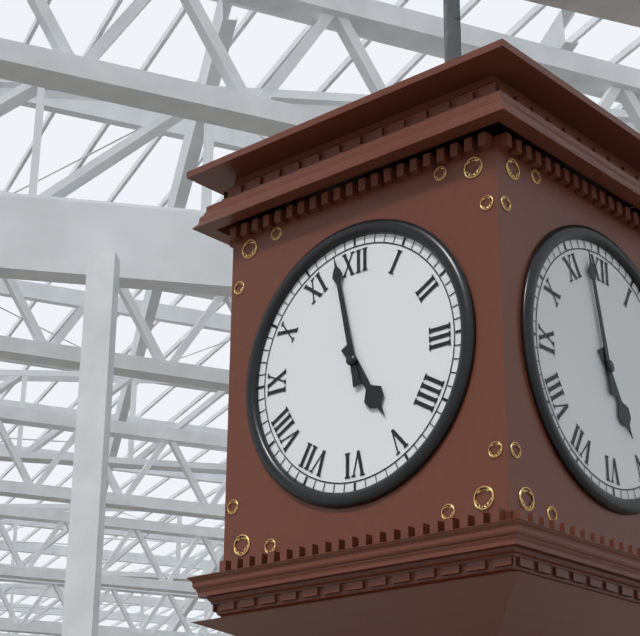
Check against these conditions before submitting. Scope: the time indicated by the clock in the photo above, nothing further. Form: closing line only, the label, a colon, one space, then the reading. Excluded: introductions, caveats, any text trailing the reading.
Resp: 4:58
